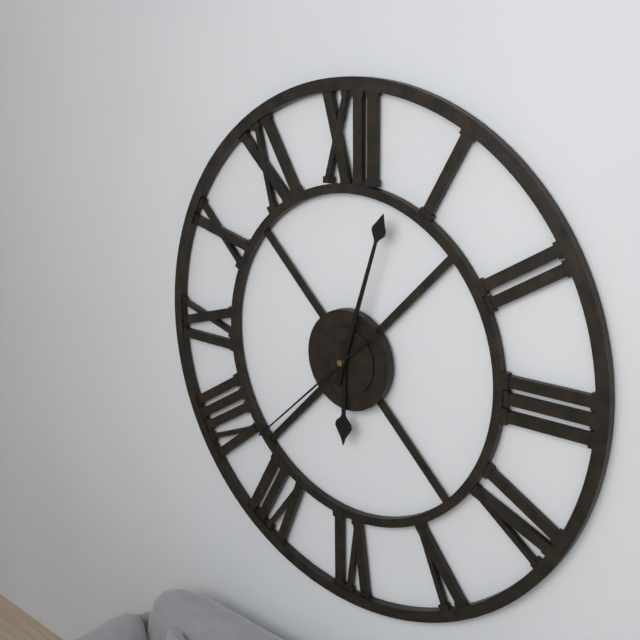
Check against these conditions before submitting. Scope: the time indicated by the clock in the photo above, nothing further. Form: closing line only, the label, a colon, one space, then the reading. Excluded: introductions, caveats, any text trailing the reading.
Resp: 6:03:38
